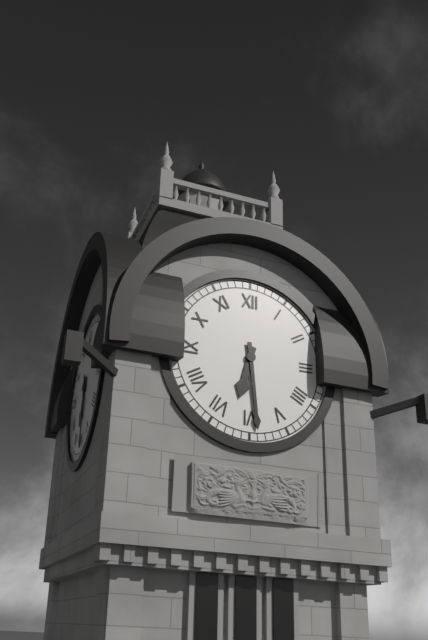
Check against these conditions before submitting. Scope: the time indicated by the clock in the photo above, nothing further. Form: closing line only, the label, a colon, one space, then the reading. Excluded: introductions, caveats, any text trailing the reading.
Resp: 6:29
